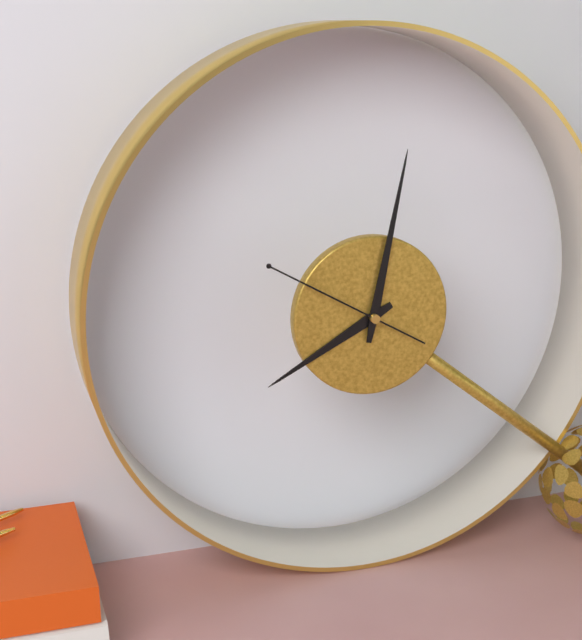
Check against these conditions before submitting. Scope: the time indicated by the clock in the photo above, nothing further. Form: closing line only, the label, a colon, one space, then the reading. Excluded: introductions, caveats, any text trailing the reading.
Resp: 8:02:50
